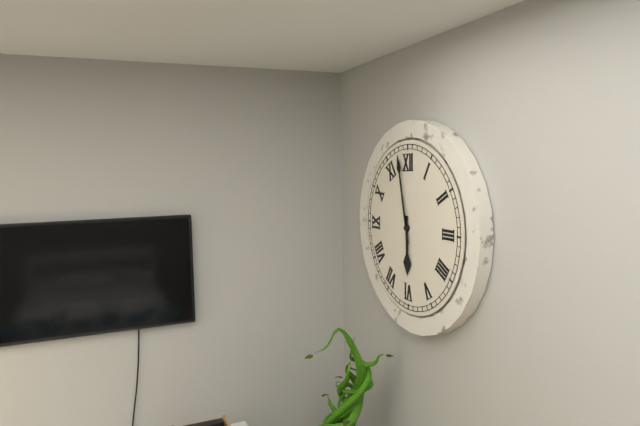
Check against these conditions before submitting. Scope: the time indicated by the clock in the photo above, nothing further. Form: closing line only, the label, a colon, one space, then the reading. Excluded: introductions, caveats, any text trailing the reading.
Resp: 5:58
